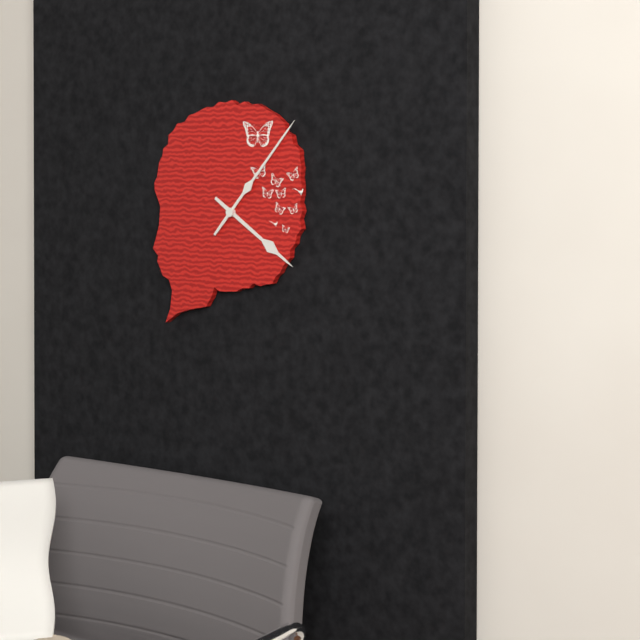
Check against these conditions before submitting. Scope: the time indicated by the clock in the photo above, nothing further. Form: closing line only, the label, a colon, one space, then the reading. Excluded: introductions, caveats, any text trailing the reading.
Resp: 4:07
